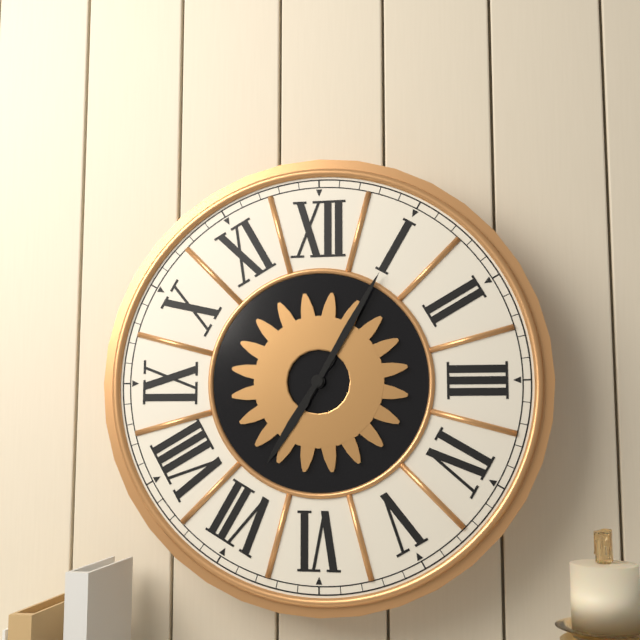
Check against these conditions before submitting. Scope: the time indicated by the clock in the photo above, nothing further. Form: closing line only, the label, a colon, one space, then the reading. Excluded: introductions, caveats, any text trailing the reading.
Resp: 7:05
